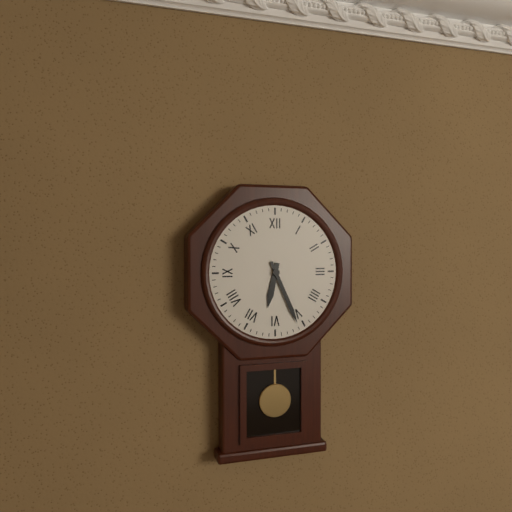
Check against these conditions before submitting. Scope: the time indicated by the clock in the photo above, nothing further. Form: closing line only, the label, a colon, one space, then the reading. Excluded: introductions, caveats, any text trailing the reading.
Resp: 6:26
